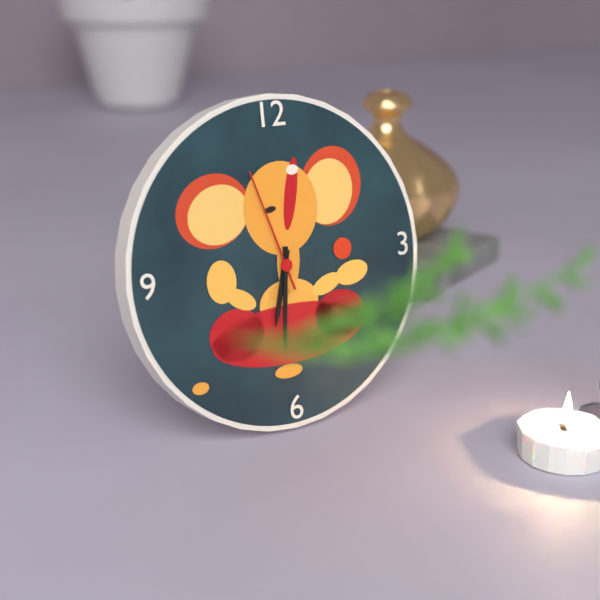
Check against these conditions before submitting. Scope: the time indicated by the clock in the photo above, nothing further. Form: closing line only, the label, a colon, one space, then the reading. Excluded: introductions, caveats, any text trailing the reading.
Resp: 6:31:57
